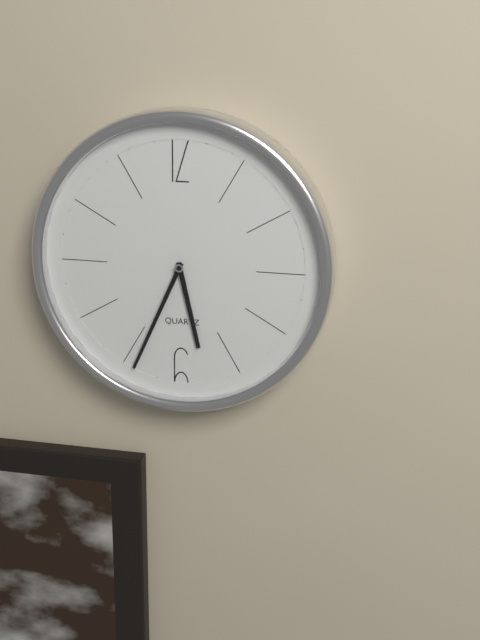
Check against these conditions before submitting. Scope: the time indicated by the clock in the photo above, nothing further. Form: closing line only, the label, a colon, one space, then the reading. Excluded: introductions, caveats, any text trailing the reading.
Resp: 5:34
